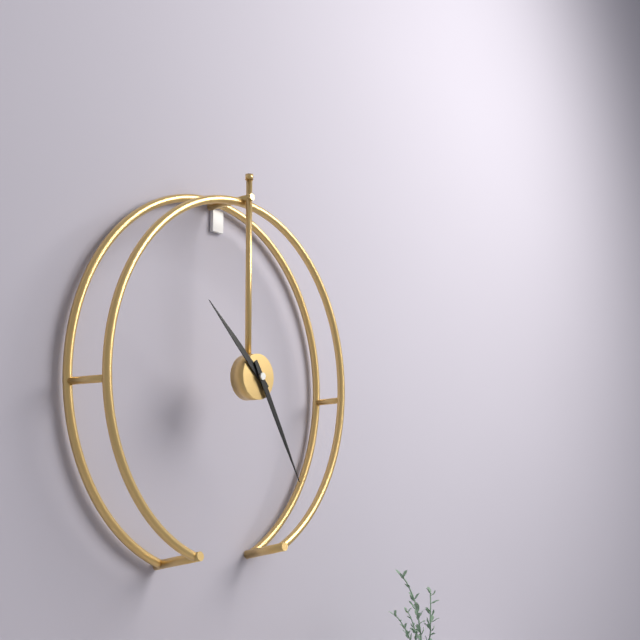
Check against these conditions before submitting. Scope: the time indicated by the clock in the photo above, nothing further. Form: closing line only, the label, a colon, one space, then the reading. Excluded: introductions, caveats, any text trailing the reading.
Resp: 10:25
